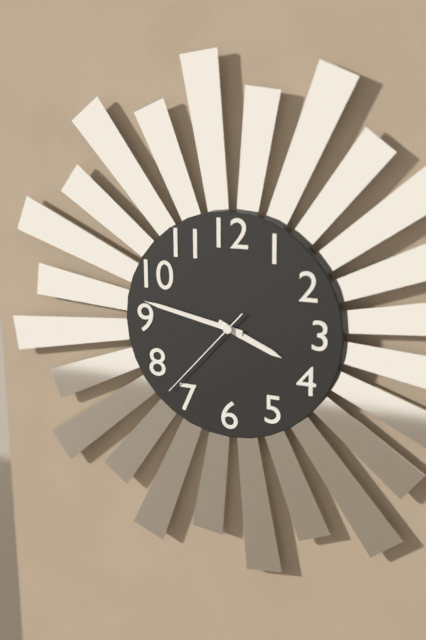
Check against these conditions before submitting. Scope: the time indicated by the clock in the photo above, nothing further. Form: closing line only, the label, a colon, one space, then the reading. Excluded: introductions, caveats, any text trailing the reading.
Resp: 3:47:37
